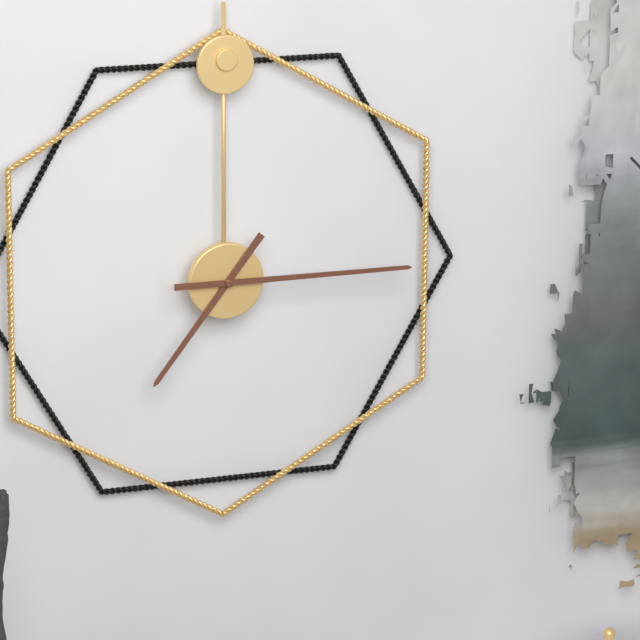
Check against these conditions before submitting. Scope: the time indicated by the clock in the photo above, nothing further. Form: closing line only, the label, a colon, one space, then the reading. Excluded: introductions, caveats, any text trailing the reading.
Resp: 7:15
